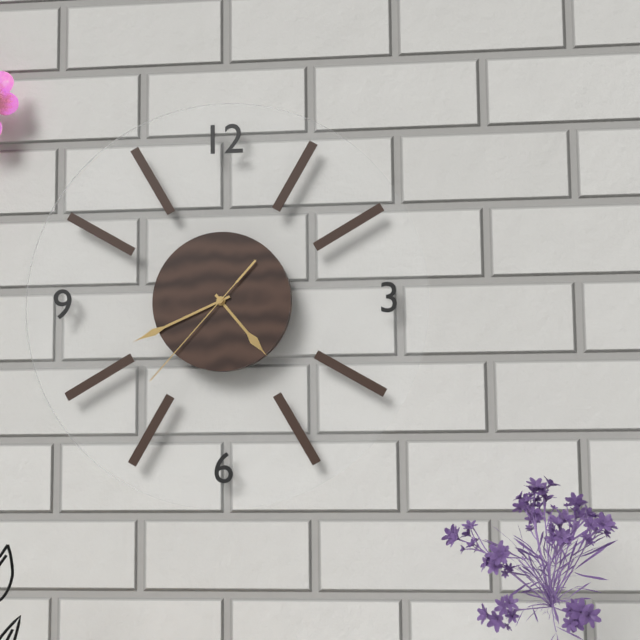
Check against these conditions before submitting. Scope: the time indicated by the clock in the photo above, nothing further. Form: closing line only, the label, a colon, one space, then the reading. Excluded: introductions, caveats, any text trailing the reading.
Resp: 4:41:37
